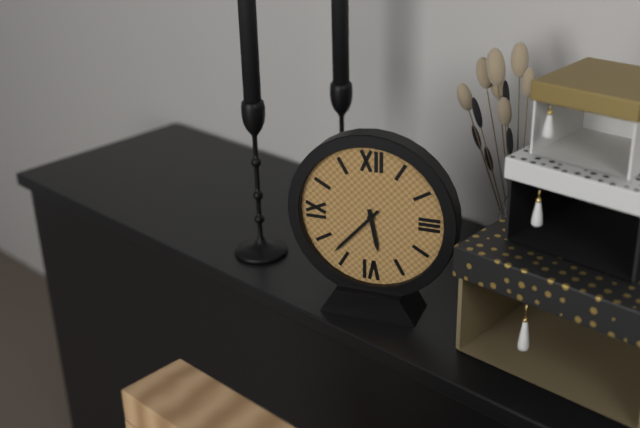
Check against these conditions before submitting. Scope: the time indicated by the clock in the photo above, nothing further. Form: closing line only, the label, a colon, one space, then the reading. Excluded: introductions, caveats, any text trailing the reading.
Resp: 5:37
